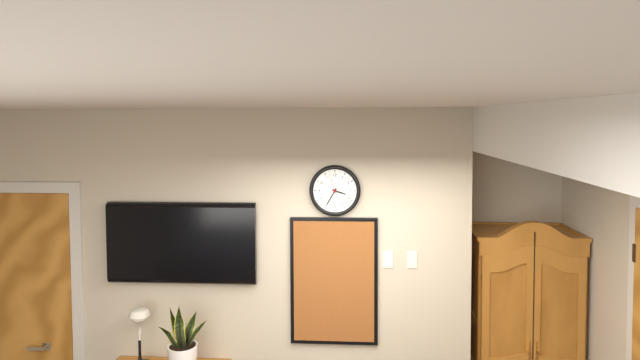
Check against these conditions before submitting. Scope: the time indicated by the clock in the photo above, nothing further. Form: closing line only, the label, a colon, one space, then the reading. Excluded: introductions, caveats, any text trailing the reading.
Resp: 3:35
